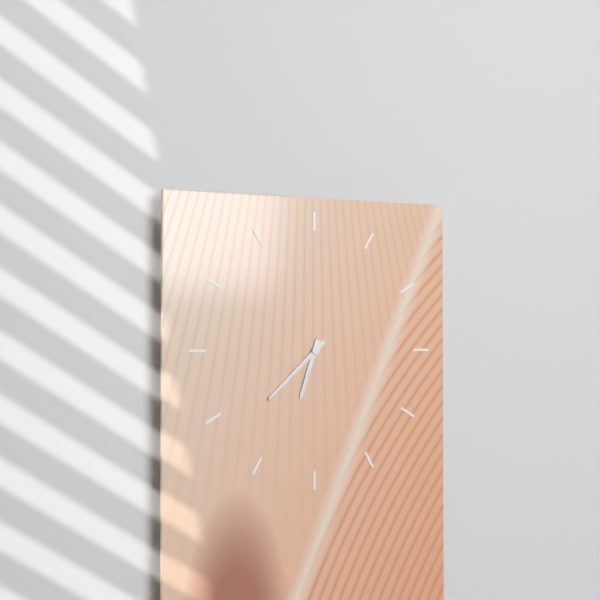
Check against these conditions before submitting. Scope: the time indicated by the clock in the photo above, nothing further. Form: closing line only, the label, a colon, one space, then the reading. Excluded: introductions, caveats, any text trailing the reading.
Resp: 6:38
